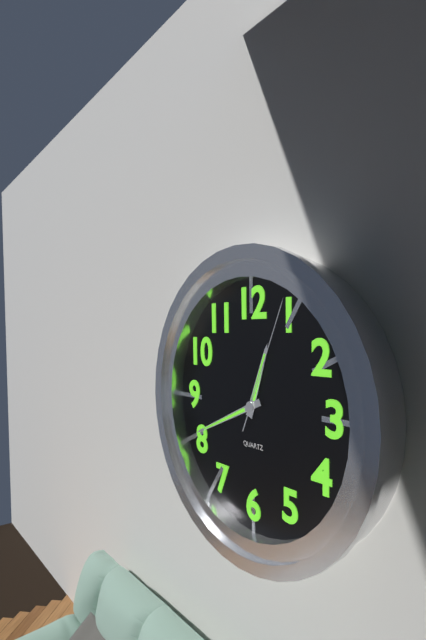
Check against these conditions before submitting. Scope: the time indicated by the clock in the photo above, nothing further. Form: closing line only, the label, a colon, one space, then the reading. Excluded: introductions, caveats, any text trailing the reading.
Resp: 12:41:04
